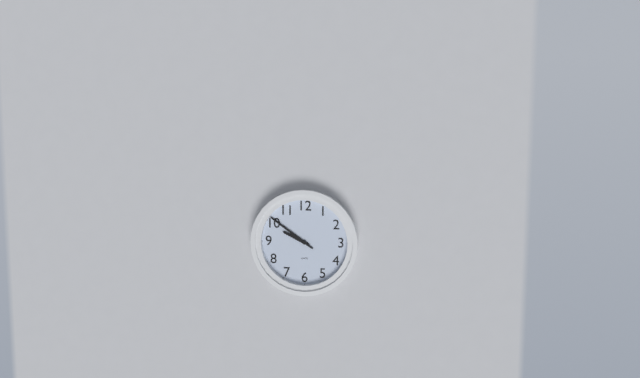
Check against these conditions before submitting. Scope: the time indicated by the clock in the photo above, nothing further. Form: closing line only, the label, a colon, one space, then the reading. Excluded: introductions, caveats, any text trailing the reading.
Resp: 9:51
